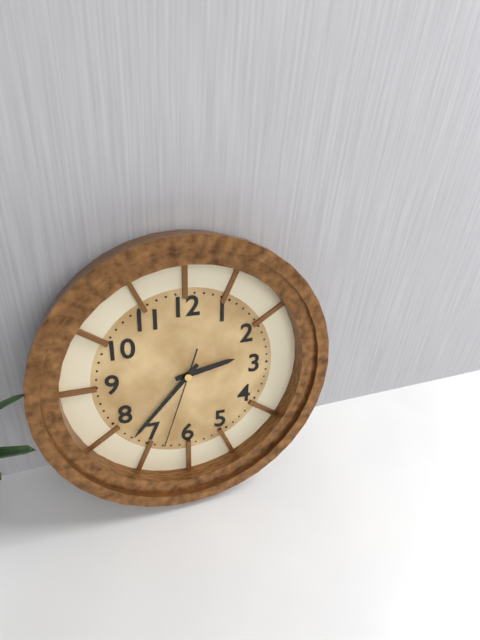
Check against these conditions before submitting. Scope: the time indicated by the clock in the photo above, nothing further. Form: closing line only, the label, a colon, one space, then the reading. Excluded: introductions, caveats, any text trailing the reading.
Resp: 2:37:33
